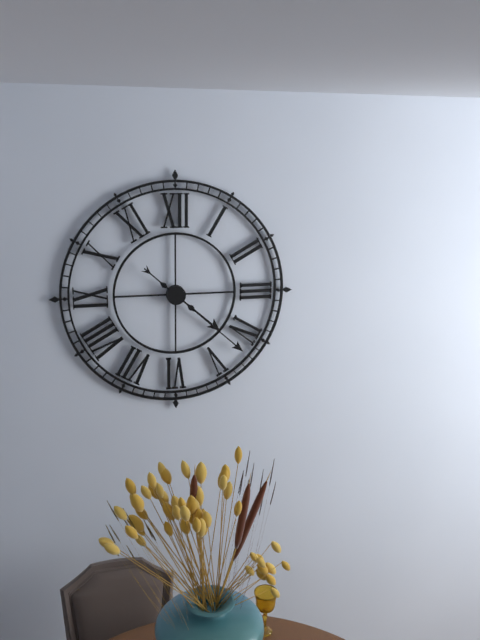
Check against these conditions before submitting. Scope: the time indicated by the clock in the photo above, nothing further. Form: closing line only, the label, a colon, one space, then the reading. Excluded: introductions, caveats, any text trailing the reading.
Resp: 4:22
